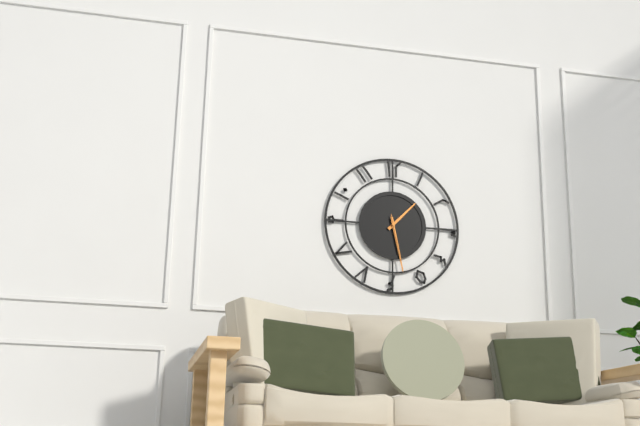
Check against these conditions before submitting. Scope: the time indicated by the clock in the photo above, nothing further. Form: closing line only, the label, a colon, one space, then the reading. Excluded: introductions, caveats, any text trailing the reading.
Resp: 1:28
